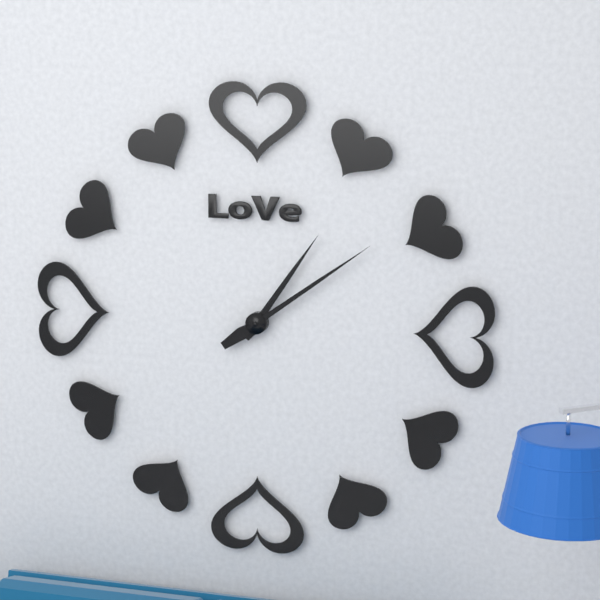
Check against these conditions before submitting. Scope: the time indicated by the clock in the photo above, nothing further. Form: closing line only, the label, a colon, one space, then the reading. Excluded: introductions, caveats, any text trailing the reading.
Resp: 1:09
